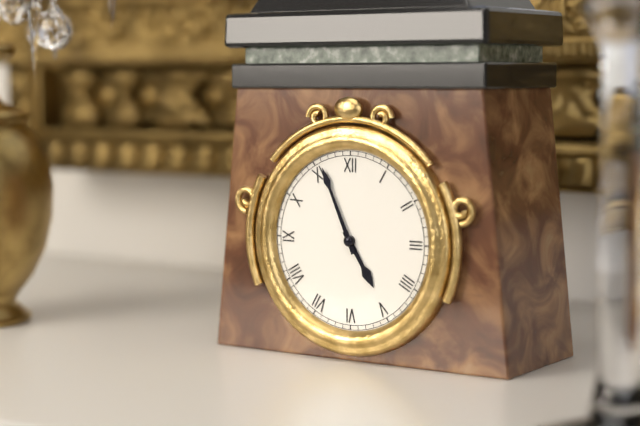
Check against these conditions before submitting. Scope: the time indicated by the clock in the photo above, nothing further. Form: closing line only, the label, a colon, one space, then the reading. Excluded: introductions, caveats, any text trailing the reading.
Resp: 4:56
